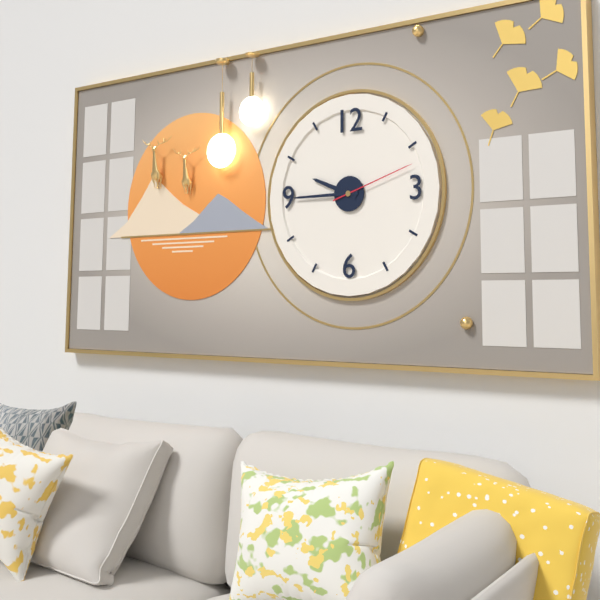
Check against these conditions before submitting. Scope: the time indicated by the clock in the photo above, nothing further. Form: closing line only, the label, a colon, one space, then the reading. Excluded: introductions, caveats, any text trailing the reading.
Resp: 9:45:12
